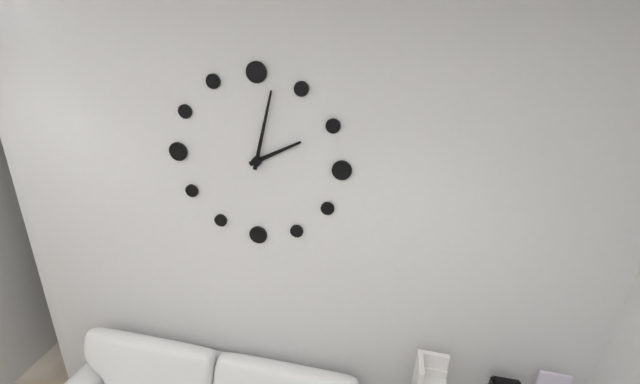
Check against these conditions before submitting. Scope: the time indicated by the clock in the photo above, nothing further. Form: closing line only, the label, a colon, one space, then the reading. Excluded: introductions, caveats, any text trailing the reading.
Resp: 2:02
